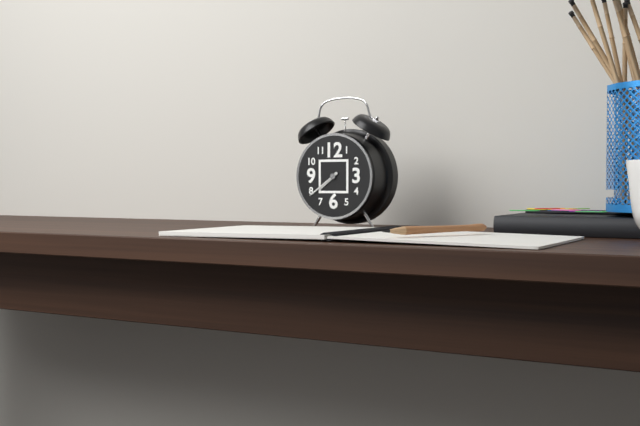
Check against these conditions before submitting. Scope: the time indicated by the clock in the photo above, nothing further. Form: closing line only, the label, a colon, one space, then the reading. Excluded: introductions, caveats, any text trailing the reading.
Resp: 7:39
